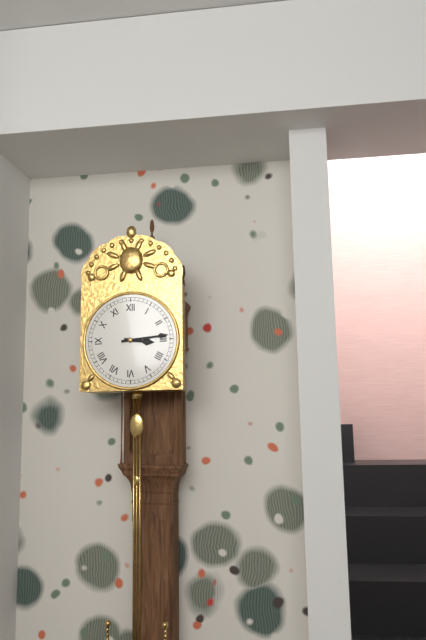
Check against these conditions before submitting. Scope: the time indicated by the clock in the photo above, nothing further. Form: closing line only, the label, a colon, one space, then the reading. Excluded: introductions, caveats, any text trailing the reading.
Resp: 3:14
